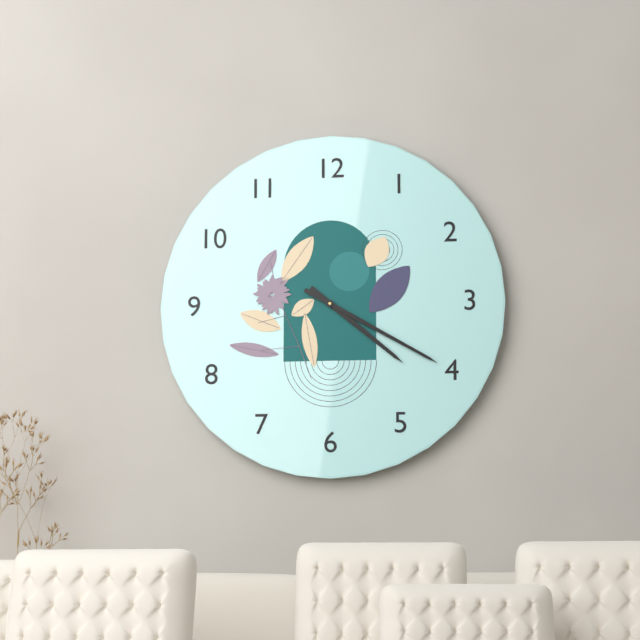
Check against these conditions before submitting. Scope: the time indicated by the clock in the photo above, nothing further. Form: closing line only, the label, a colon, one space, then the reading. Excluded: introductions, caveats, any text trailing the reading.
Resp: 4:20
